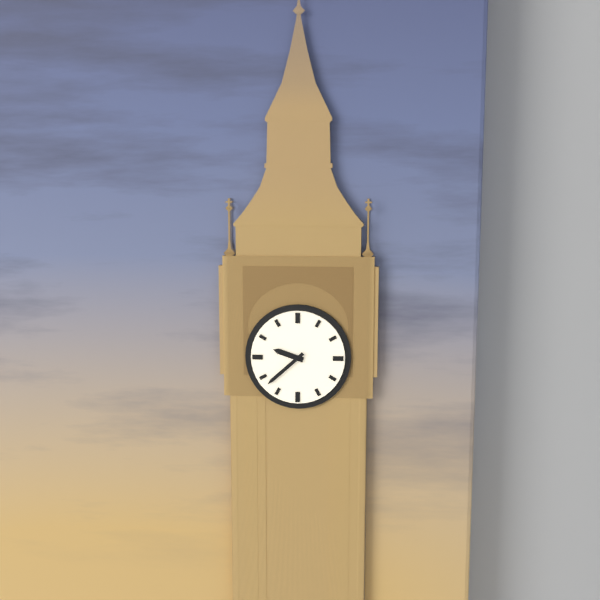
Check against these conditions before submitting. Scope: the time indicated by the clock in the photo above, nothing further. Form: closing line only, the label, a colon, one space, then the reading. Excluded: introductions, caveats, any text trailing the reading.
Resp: 9:38
